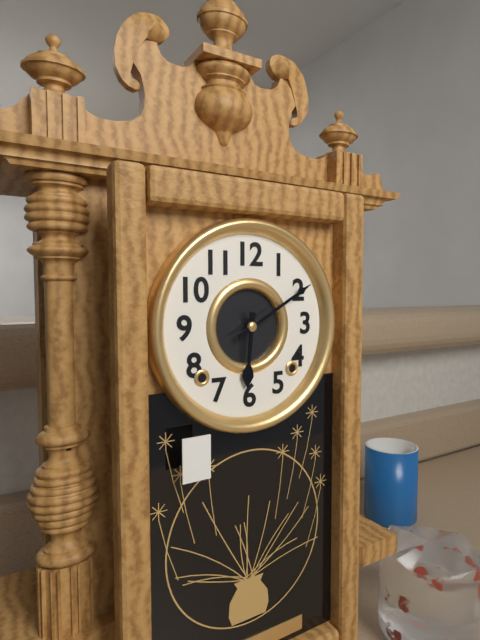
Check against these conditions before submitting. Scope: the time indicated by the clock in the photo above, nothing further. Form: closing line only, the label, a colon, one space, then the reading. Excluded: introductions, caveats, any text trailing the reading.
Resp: 6:10
